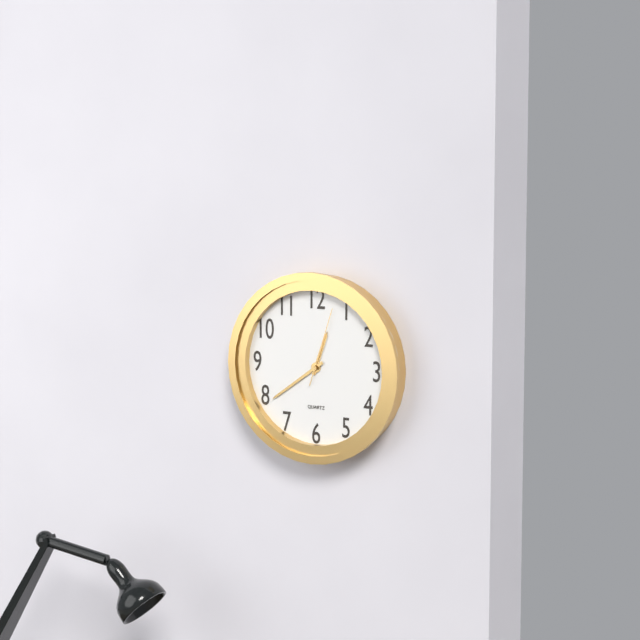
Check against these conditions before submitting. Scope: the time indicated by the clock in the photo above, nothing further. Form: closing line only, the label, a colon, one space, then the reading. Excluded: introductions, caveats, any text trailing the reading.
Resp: 12:39:03
